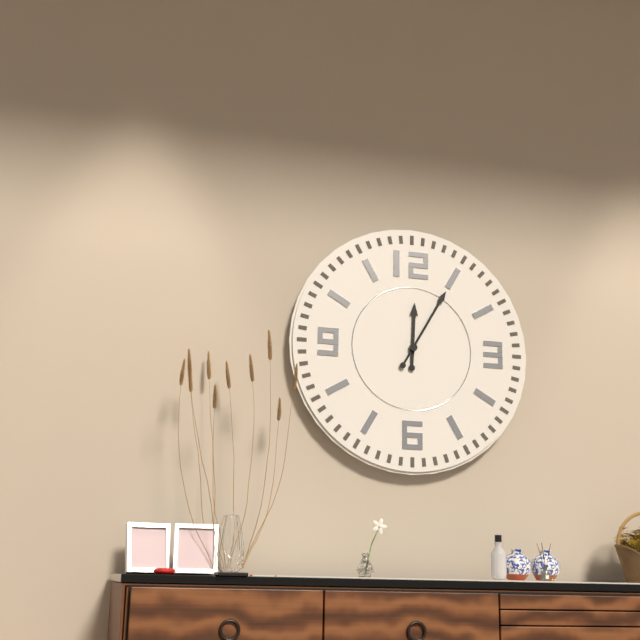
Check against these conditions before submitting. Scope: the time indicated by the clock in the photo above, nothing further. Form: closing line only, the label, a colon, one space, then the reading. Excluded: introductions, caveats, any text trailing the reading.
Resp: 12:05
